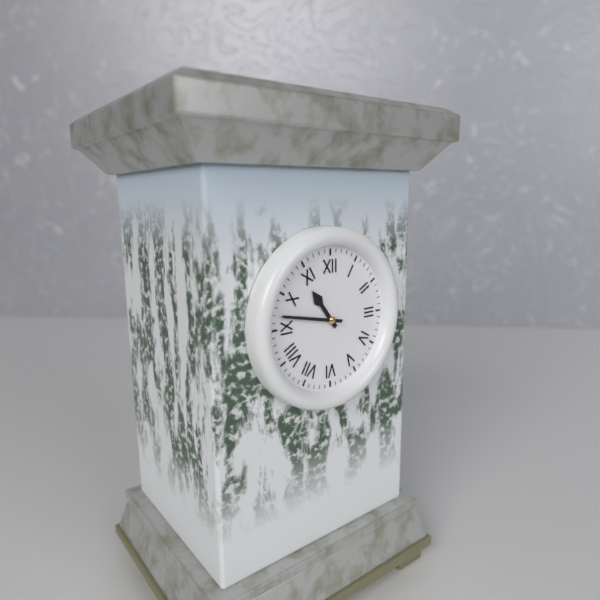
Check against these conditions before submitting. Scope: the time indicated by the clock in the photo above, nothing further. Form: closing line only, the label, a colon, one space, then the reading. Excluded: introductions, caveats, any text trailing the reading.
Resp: 10:47
